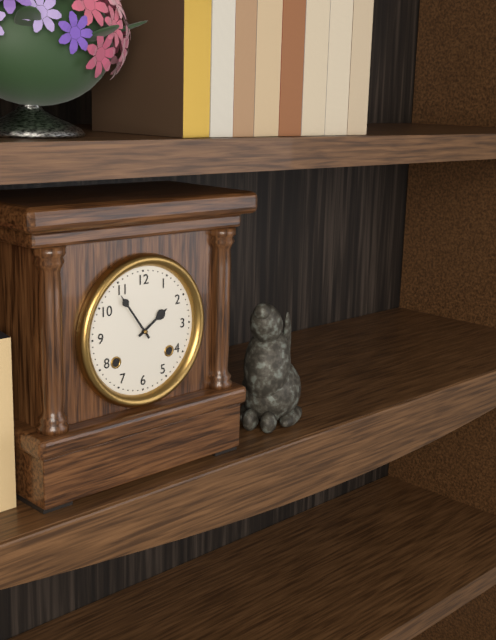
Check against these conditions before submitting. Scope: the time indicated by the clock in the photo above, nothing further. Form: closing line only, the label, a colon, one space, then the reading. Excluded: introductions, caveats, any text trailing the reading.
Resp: 1:54
